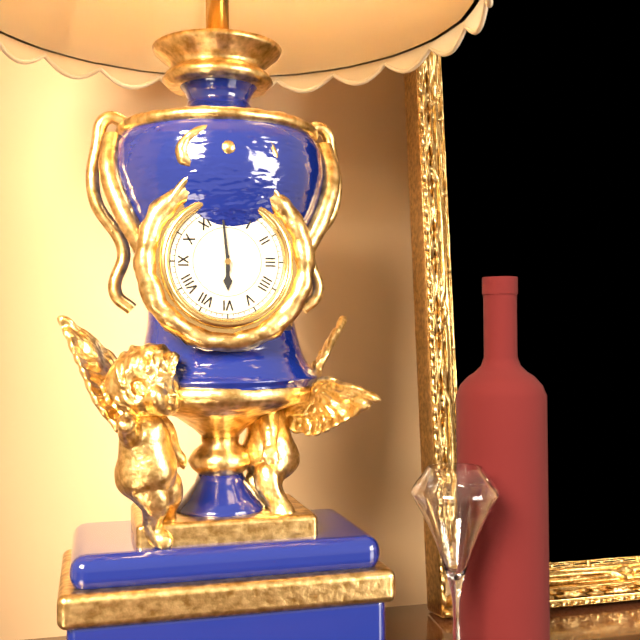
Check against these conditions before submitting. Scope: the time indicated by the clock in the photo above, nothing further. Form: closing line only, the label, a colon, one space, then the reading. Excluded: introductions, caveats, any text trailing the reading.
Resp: 5:59
